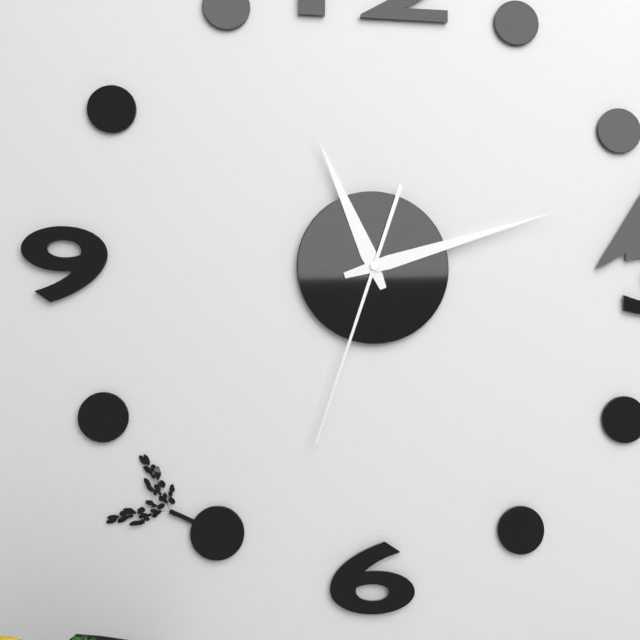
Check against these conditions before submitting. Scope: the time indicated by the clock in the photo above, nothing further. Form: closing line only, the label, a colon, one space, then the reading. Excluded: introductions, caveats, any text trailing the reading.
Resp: 11:12:33
